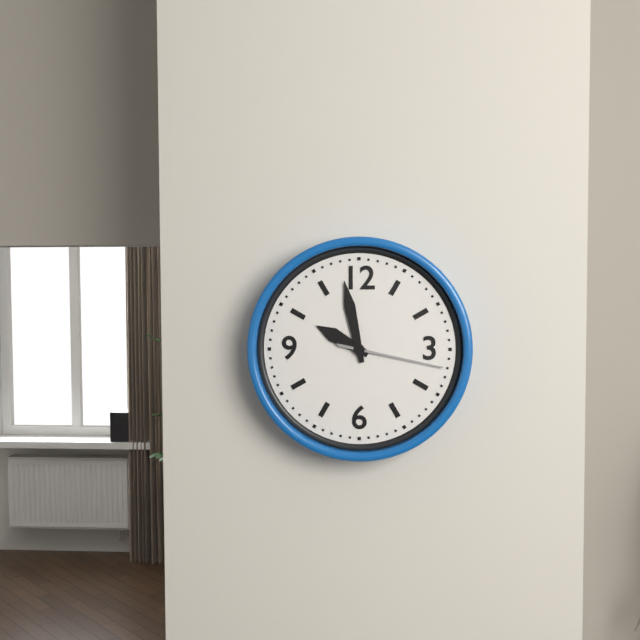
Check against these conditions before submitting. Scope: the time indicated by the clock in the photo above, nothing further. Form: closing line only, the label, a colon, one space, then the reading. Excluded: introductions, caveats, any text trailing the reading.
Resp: 9:58:17
